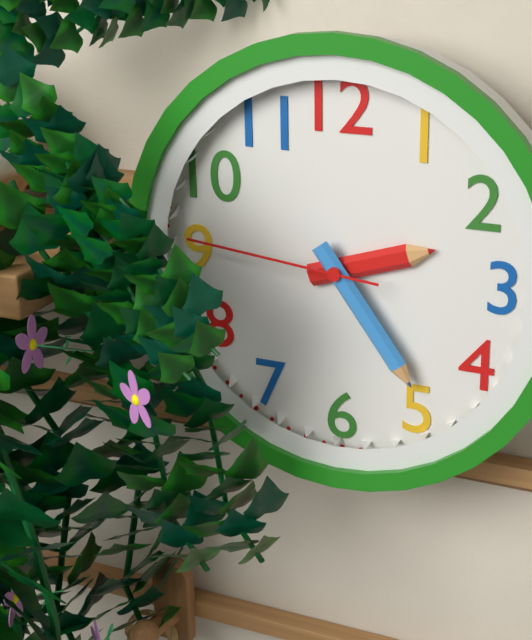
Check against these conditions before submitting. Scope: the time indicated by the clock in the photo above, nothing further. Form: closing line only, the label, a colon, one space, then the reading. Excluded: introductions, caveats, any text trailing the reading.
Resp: 2:24:46
